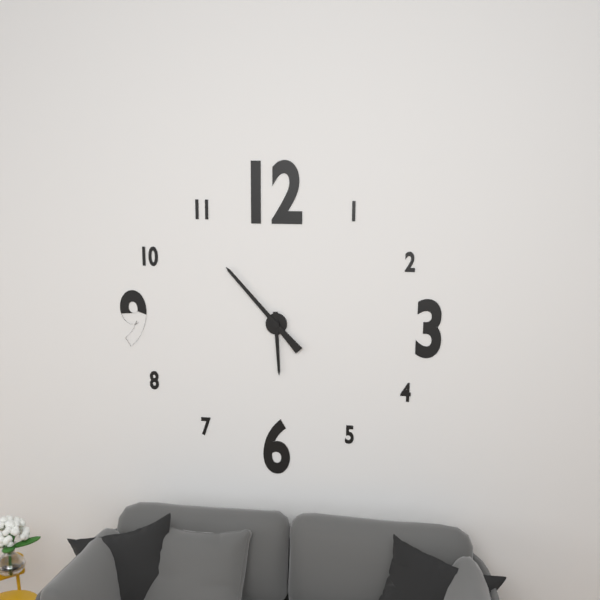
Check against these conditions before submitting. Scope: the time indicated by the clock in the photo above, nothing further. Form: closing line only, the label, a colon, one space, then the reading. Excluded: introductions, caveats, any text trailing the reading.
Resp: 5:53
